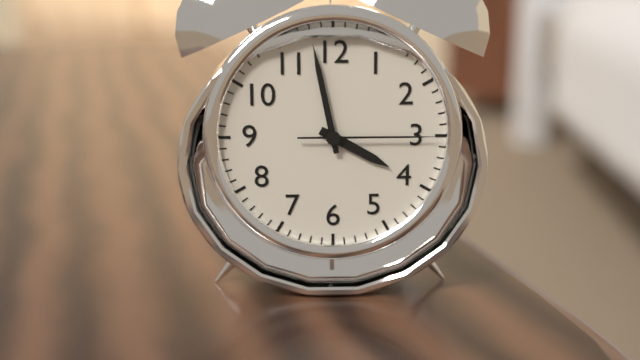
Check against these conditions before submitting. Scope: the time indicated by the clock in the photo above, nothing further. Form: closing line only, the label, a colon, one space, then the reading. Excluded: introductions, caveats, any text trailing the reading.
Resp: 3:58:15
